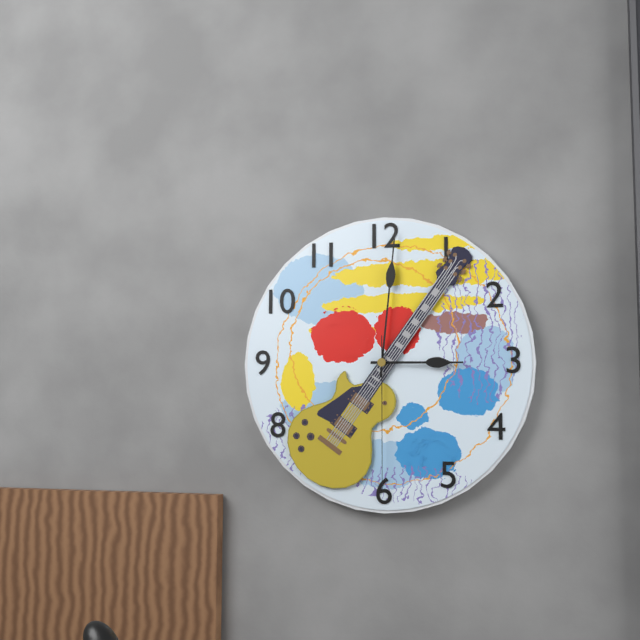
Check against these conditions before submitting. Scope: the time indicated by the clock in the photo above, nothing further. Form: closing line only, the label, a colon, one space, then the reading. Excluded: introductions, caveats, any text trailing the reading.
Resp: 3:01:30
